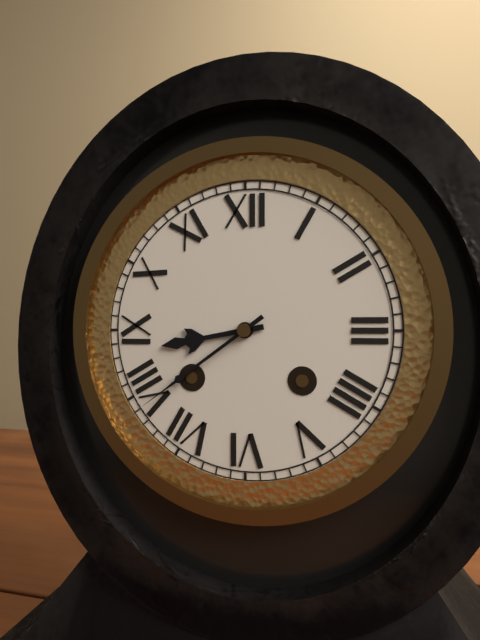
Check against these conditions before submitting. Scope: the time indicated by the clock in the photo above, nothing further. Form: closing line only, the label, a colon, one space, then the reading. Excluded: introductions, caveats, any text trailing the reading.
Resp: 8:39
